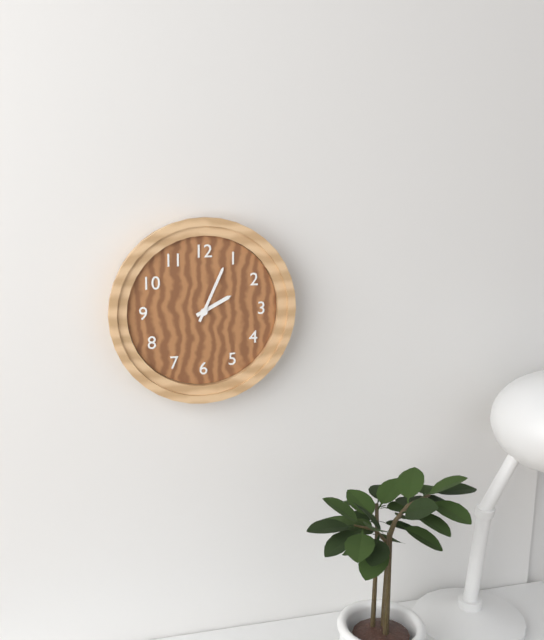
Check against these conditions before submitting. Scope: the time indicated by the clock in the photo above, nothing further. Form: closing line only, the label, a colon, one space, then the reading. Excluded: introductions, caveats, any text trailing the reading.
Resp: 2:04
